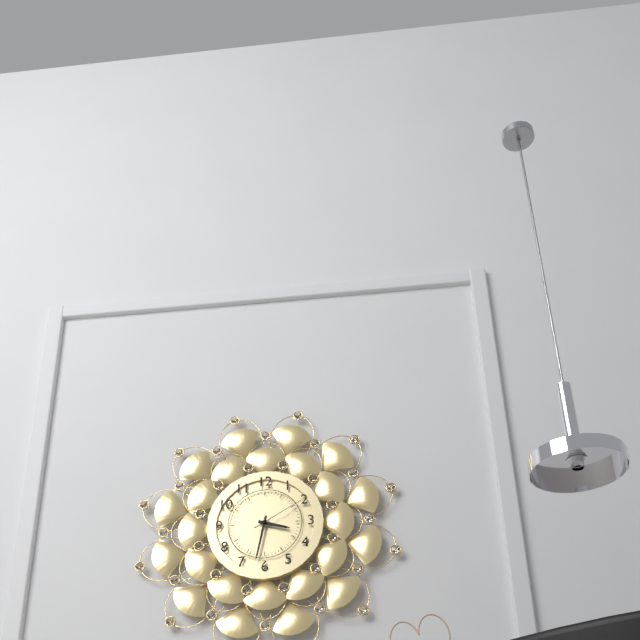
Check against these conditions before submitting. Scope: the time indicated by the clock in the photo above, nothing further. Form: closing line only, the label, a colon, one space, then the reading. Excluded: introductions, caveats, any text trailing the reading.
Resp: 3:32:10
